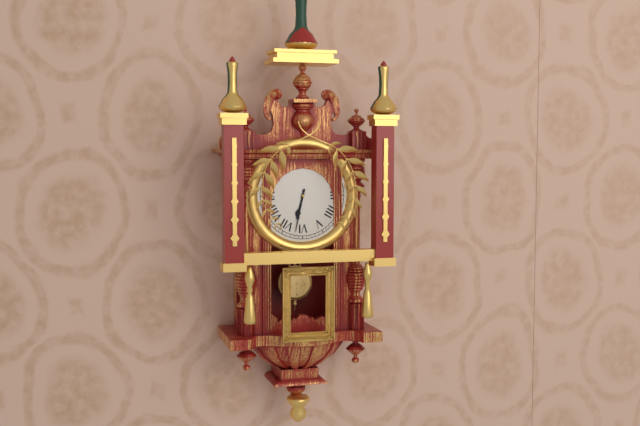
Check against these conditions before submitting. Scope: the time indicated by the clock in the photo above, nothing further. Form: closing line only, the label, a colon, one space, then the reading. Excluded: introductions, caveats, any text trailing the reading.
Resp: 6:32
